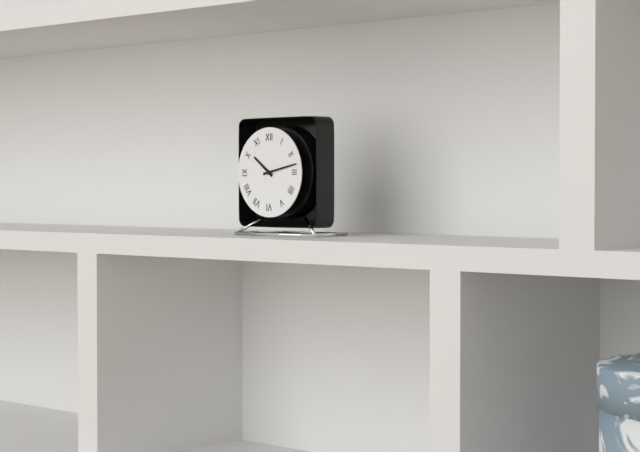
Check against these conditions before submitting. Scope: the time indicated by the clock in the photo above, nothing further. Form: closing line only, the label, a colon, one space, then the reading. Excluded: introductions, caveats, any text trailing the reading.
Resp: 10:13
